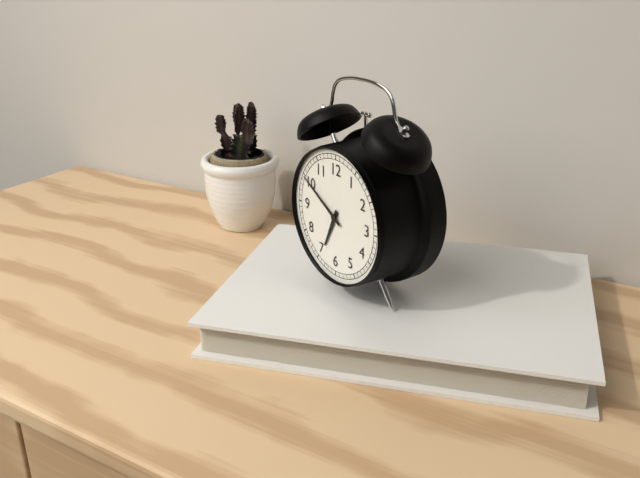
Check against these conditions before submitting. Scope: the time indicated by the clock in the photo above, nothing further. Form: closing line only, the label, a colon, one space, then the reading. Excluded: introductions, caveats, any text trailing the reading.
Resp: 6:50
